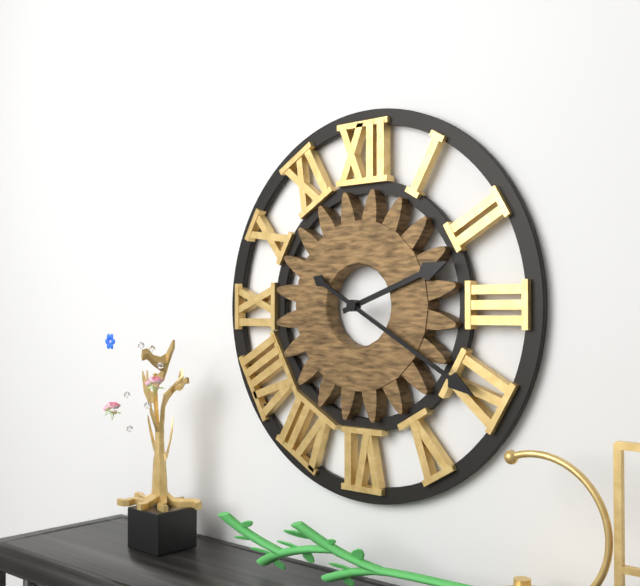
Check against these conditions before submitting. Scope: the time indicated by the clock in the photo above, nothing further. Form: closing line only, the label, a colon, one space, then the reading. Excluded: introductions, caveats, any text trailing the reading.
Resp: 2:20
